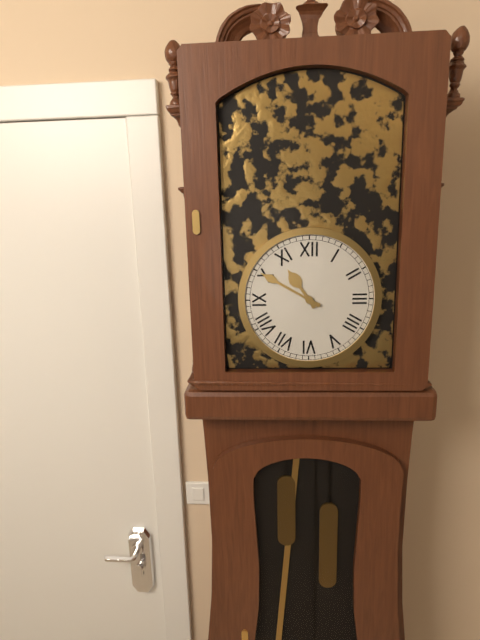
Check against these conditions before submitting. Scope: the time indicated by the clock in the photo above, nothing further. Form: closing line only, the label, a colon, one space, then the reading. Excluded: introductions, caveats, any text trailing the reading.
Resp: 10:50
